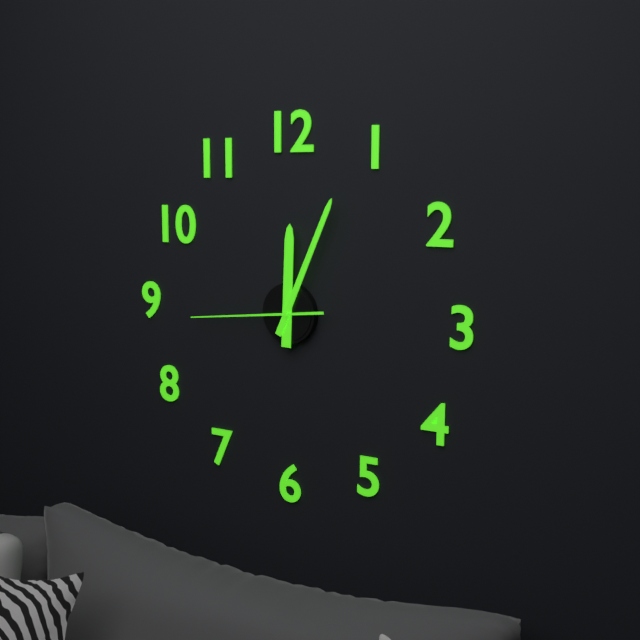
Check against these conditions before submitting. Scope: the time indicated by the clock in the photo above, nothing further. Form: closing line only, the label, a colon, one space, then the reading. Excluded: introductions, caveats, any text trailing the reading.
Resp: 12:04:44
